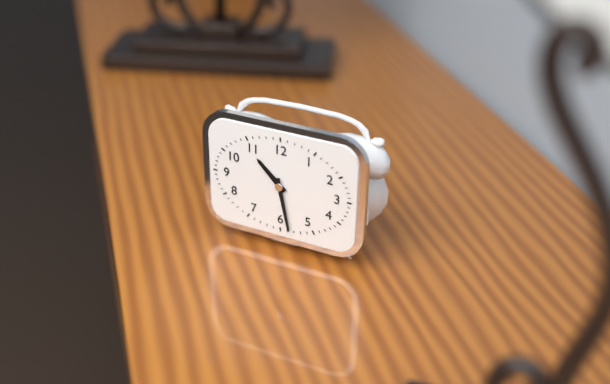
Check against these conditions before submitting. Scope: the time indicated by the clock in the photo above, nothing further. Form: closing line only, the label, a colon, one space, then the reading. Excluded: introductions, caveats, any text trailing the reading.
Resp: 10:28
